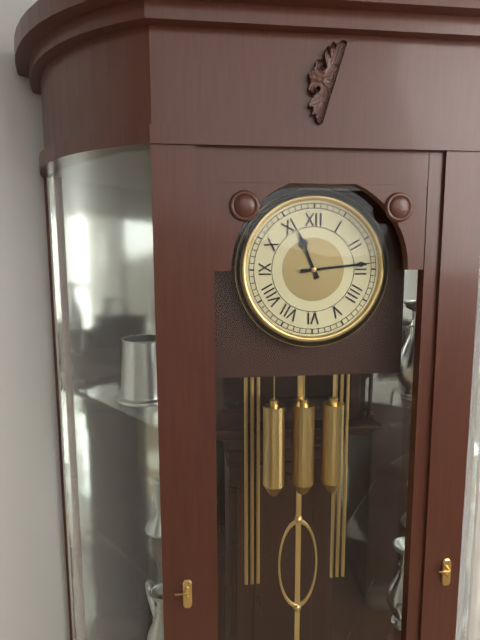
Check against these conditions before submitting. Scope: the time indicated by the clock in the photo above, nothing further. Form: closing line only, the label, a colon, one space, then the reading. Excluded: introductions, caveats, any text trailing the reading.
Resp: 11:14
